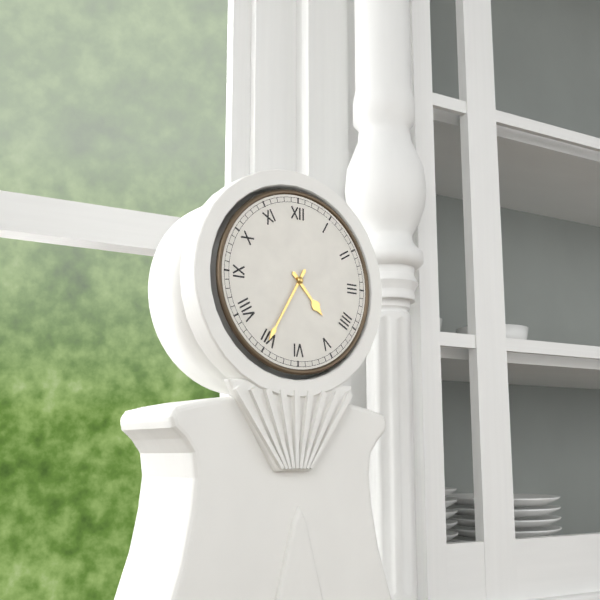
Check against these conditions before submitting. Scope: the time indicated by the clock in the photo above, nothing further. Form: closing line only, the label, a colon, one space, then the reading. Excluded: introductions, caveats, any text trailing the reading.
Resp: 4:35
